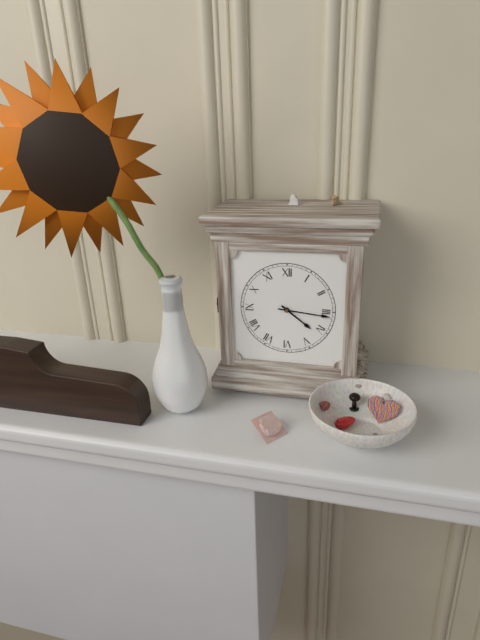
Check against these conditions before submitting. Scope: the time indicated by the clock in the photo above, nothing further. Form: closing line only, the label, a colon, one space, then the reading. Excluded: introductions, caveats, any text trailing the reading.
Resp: 4:16
